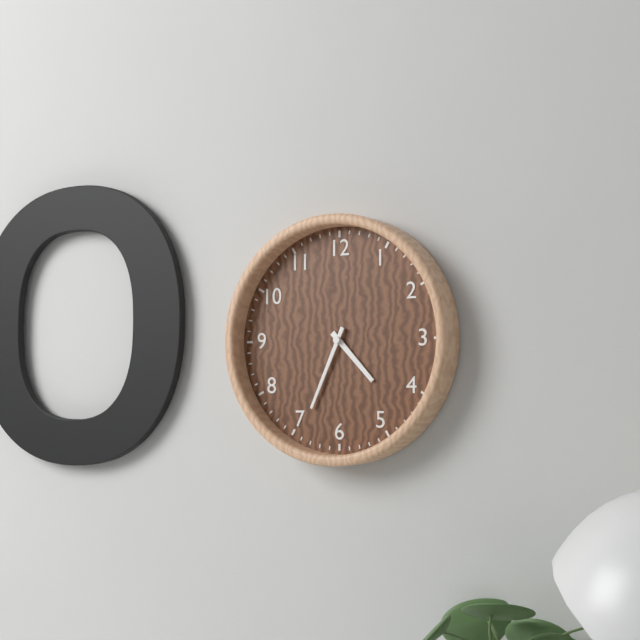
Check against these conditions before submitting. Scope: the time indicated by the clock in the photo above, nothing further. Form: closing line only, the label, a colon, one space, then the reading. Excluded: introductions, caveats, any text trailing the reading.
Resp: 4:34
